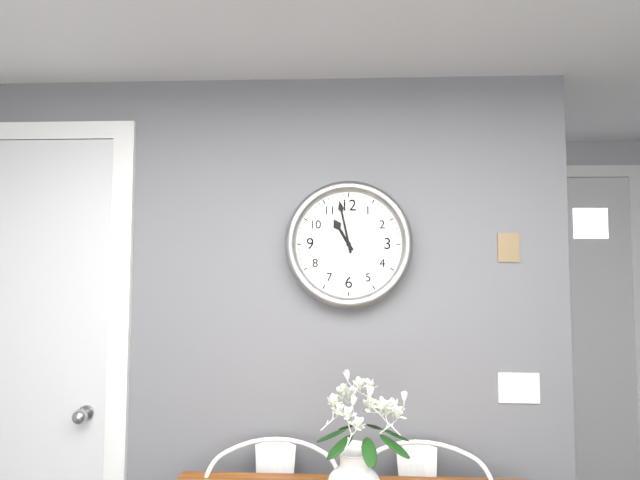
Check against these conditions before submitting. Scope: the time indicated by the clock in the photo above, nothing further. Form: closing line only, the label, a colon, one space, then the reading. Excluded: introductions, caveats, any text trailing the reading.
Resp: 10:58
